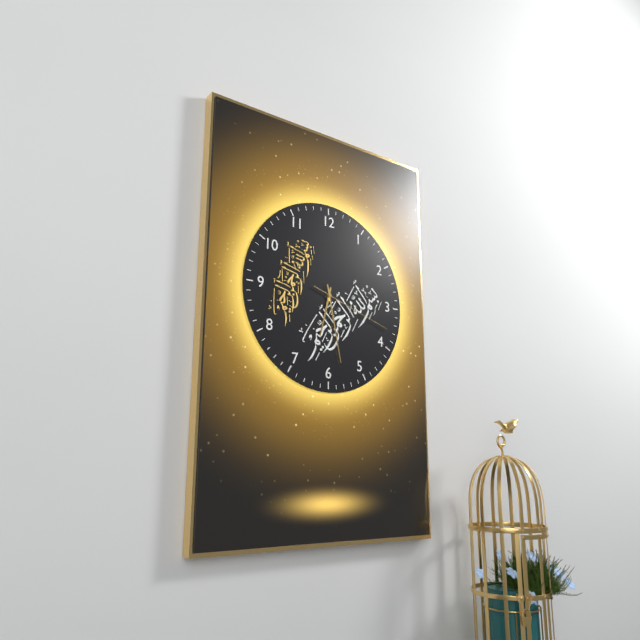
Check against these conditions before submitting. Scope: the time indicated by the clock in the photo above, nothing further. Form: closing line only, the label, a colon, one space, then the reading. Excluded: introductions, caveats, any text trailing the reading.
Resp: 6:28:18
